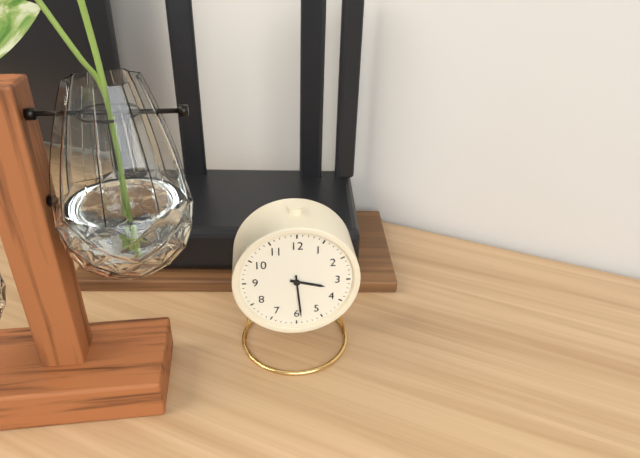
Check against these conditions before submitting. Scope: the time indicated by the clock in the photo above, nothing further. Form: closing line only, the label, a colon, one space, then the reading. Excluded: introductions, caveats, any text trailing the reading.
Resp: 3:29
